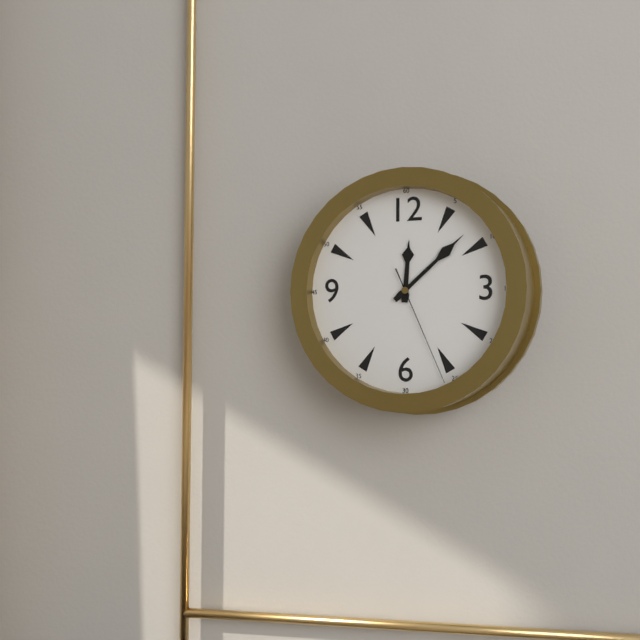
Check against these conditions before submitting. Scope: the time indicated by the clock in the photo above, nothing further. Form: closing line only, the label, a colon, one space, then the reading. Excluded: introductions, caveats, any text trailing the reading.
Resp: 12:08:26
